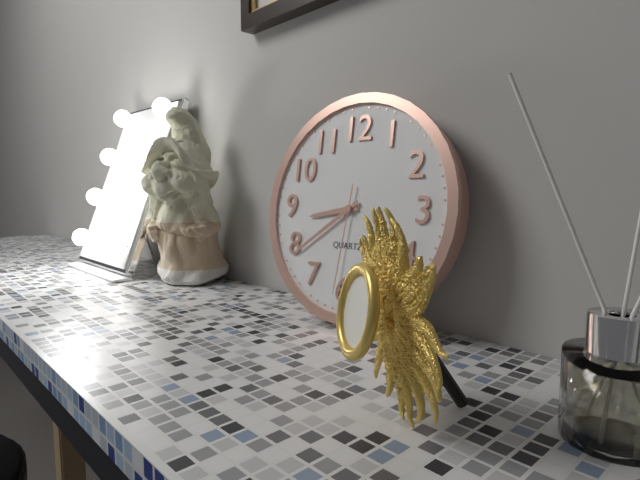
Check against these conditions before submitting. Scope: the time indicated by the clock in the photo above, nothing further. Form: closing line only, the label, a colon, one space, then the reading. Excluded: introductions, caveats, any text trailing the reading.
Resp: 8:39:31
